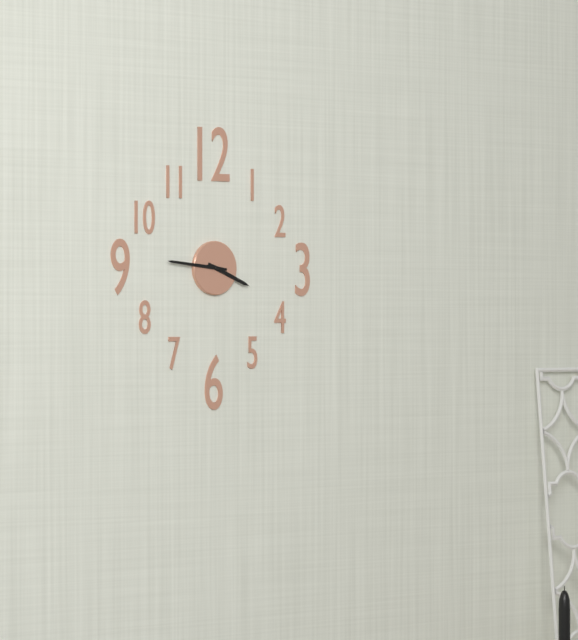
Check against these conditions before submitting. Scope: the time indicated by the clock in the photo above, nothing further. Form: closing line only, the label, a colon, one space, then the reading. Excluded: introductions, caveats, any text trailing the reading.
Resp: 3:46
